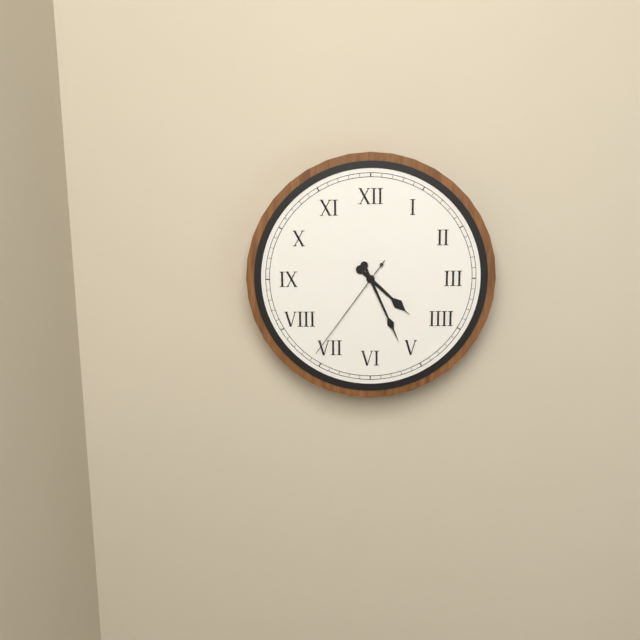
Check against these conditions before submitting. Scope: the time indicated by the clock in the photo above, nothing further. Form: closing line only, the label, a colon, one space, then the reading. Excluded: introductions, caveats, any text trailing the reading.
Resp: 4:26:36
